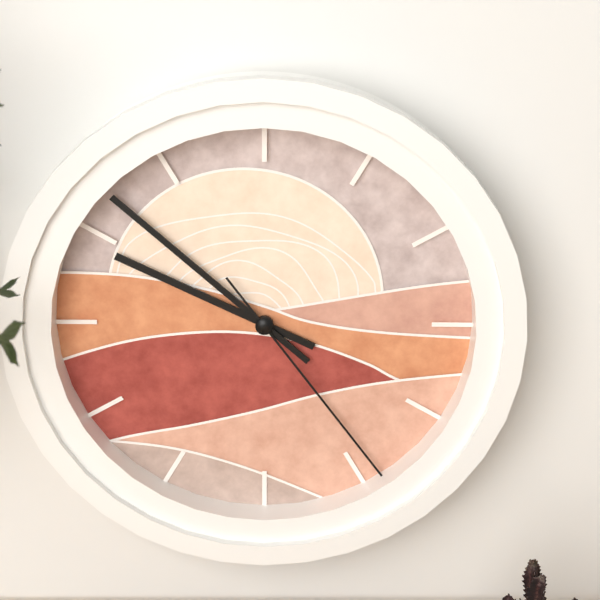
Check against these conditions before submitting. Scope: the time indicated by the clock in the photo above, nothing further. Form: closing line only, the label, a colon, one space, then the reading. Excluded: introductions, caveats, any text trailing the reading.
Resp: 9:52:24
